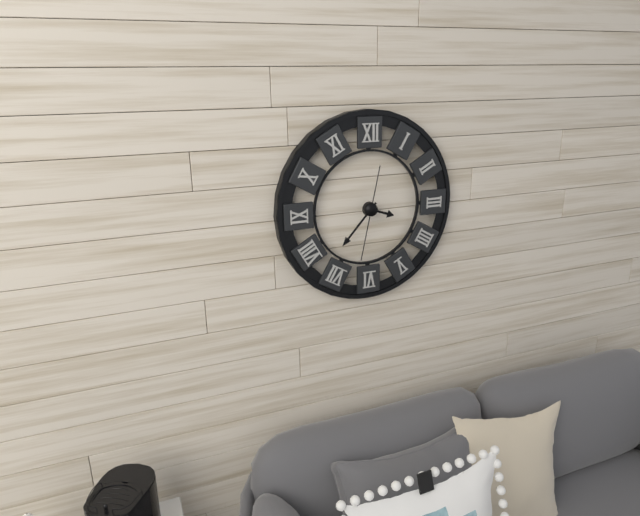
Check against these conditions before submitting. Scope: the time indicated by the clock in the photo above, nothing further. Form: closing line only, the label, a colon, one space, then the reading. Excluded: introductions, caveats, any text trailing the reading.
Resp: 3:37:32
